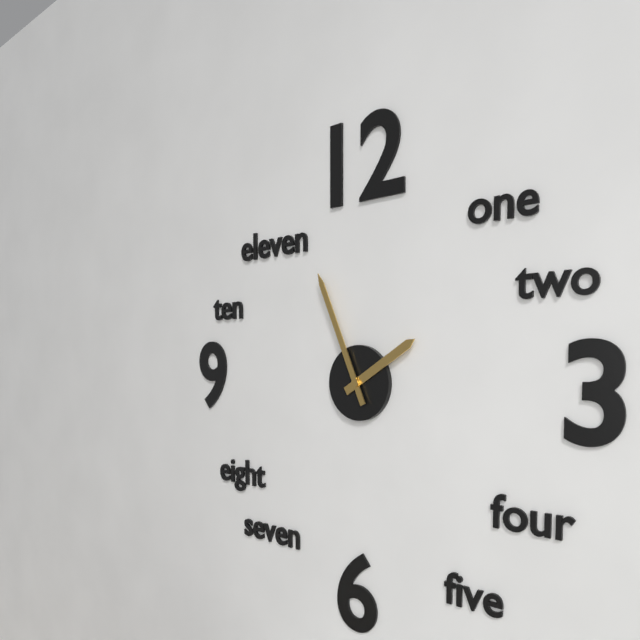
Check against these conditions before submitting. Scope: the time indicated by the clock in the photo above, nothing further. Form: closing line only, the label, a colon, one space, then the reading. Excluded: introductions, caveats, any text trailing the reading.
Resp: 1:56
